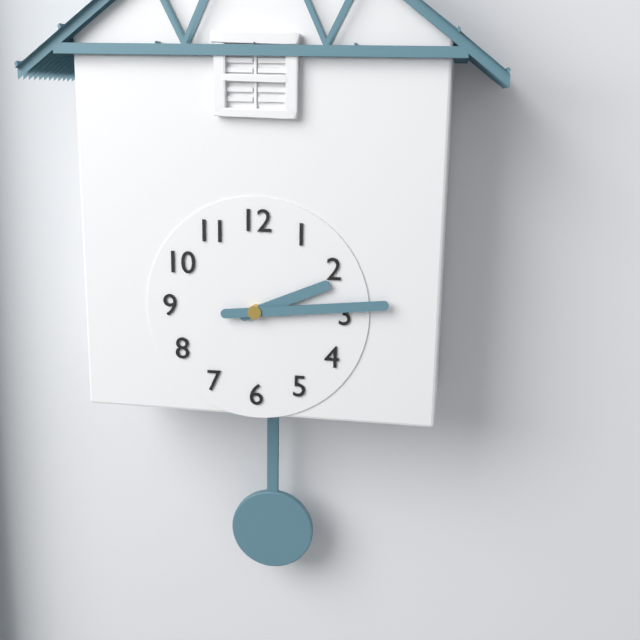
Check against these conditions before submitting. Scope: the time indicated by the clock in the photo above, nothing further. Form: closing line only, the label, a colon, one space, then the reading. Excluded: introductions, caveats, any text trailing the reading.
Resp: 2:14
